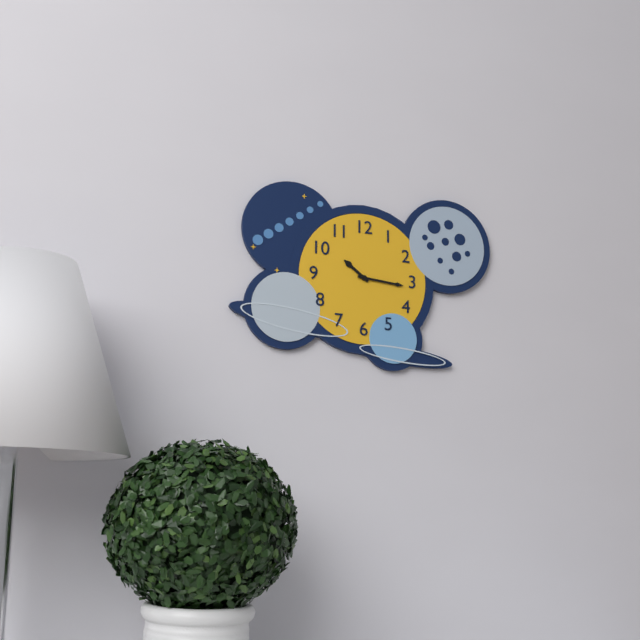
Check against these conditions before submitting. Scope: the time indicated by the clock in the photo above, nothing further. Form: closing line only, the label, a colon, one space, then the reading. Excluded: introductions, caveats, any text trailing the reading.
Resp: 10:16
